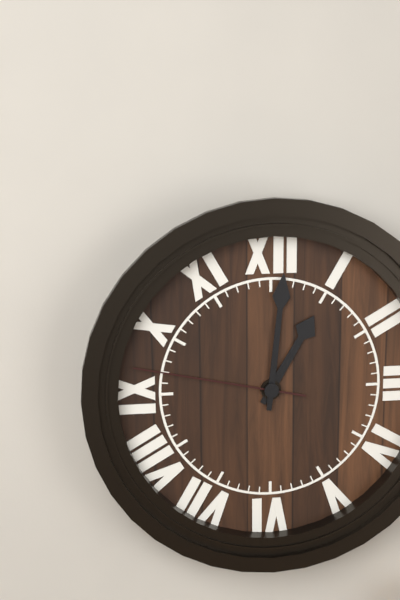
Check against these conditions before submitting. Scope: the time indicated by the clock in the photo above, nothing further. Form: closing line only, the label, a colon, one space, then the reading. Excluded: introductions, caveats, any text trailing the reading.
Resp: 1:01:47
